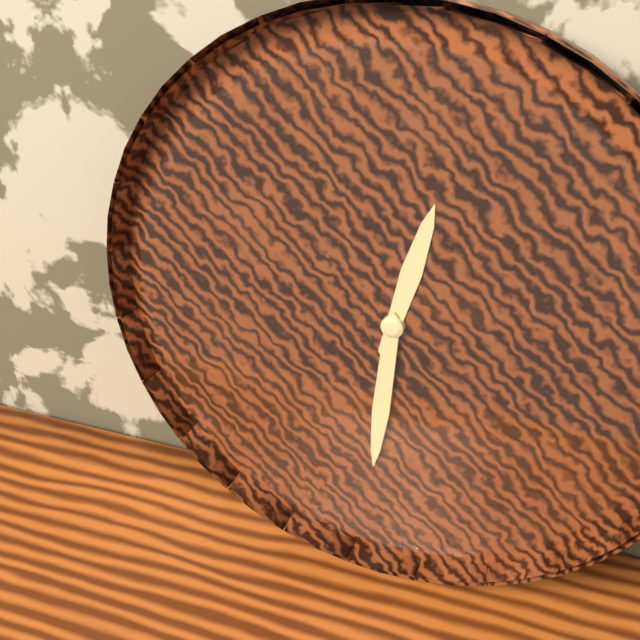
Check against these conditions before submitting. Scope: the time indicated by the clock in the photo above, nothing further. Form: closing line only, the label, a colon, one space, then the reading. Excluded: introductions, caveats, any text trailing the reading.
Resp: 12:31
